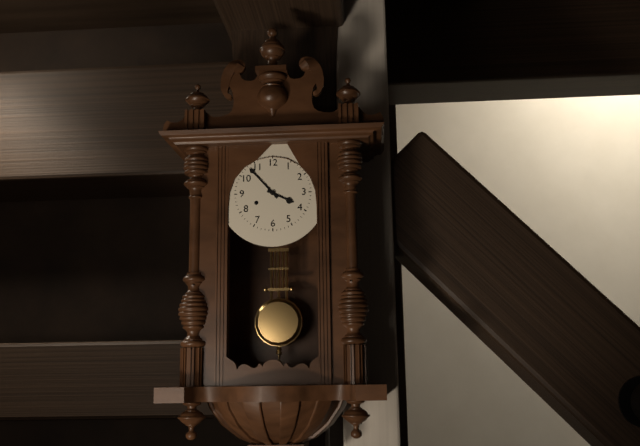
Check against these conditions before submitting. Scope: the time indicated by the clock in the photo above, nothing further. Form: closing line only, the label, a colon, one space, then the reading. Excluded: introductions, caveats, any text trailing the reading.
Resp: 3:53
